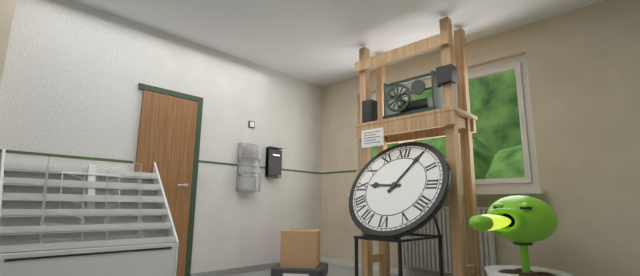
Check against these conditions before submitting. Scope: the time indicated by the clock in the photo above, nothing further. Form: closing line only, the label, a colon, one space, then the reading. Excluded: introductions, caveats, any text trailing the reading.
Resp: 9:05
